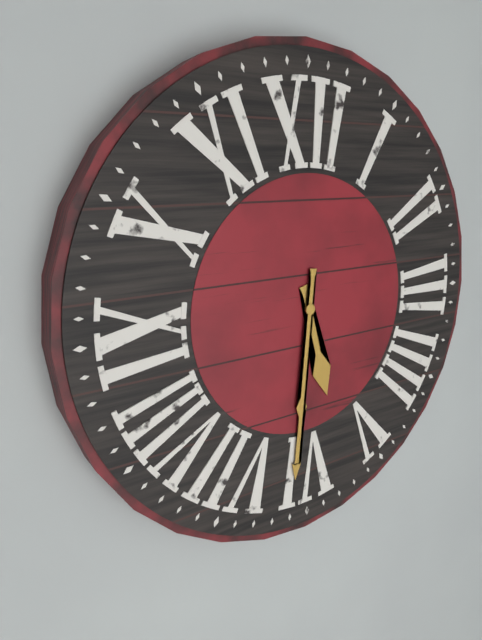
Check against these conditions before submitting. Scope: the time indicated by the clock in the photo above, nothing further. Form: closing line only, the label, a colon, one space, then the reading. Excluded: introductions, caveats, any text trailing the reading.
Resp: 5:31
